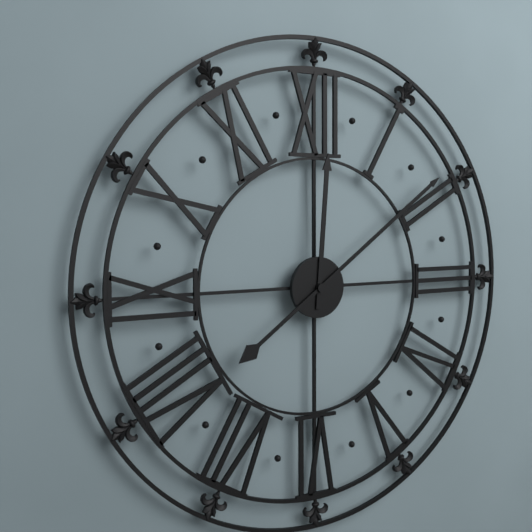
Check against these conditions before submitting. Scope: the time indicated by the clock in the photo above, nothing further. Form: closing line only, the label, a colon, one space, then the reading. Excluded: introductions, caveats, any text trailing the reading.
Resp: 12:09
